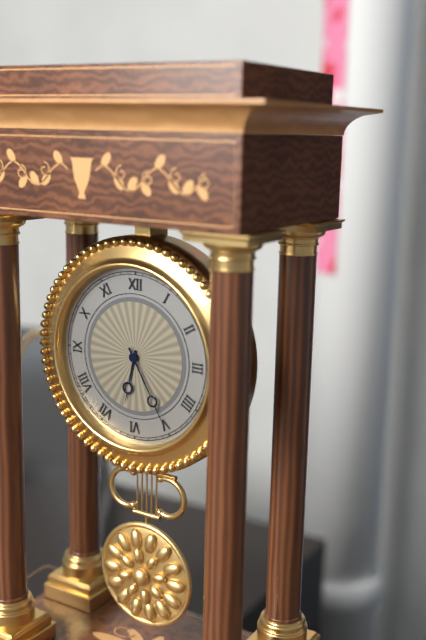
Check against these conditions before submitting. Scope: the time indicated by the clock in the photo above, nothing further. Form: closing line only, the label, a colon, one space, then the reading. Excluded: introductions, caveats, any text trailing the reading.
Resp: 6:25
